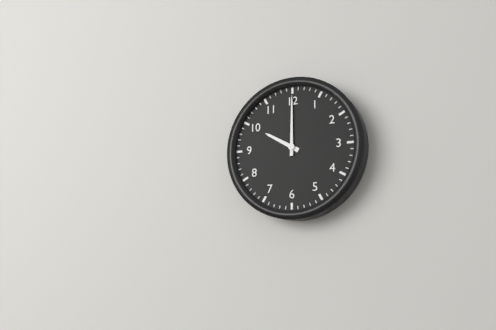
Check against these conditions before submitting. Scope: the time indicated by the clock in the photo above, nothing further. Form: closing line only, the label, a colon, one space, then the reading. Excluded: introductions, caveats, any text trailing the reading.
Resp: 10:00
